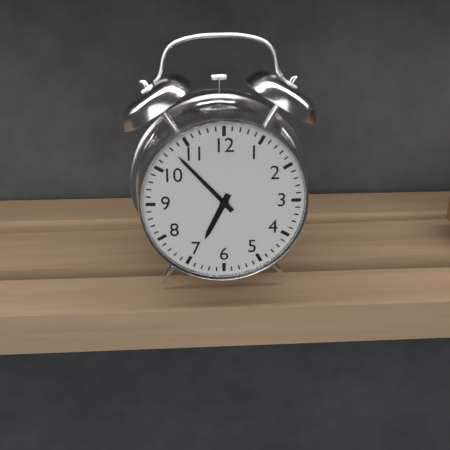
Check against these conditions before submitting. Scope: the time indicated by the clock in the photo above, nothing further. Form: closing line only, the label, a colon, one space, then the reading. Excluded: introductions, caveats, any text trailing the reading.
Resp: 6:53
